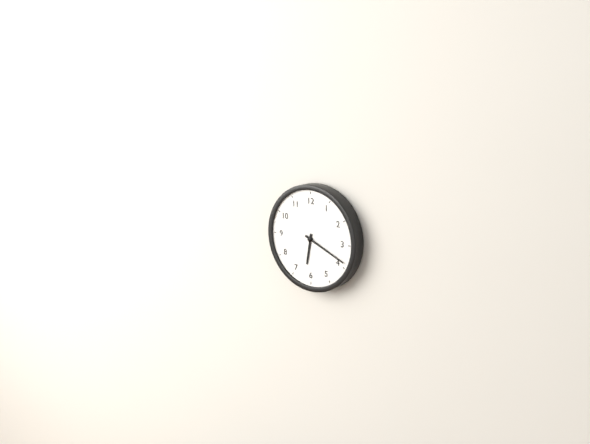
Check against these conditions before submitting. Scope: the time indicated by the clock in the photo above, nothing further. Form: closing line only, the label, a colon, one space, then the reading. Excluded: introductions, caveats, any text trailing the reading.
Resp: 6:19
